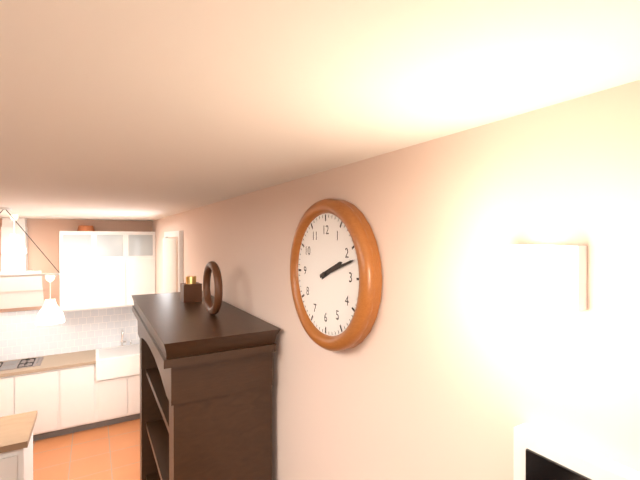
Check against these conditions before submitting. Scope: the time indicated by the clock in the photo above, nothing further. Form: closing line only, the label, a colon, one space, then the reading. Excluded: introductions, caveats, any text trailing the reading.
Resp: 2:12
